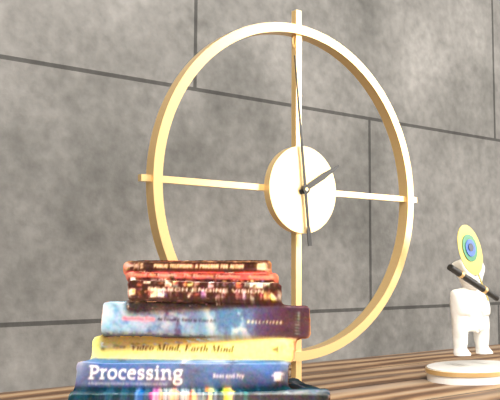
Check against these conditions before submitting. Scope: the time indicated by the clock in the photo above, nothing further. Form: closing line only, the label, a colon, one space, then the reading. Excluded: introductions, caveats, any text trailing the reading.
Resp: 1:59
